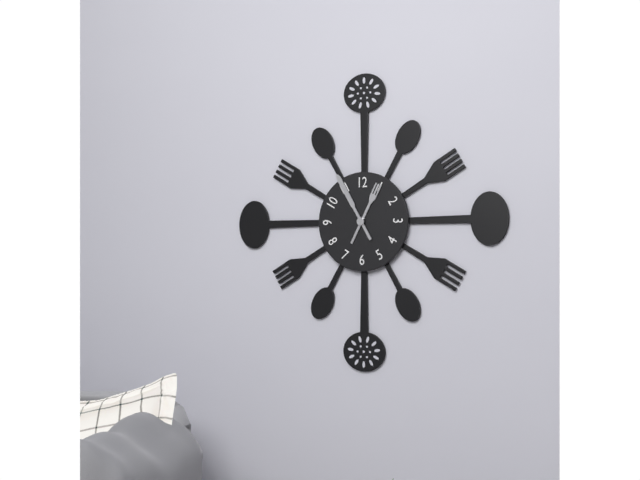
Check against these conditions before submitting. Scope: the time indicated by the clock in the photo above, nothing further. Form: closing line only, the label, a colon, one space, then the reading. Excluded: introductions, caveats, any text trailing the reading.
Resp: 12:55
